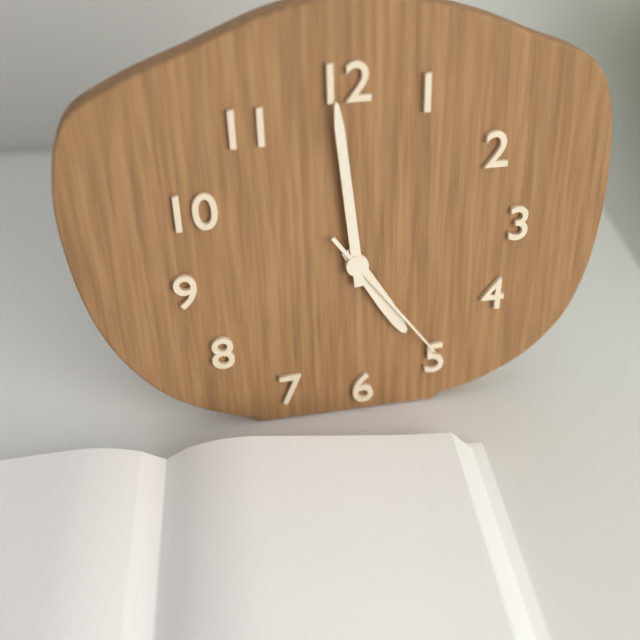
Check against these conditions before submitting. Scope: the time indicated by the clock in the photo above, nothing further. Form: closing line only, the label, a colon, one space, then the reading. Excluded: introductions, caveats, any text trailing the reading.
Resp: 4:59:24
